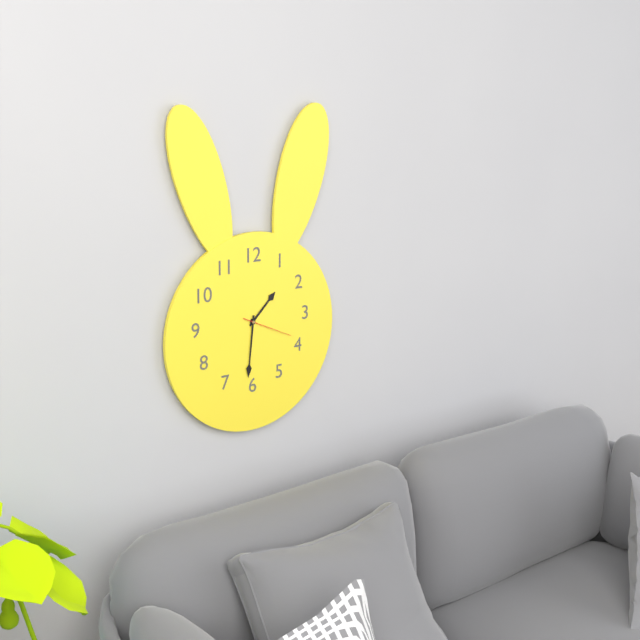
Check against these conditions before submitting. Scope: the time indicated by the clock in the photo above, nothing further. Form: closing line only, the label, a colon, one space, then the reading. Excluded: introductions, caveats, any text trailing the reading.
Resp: 1:31
